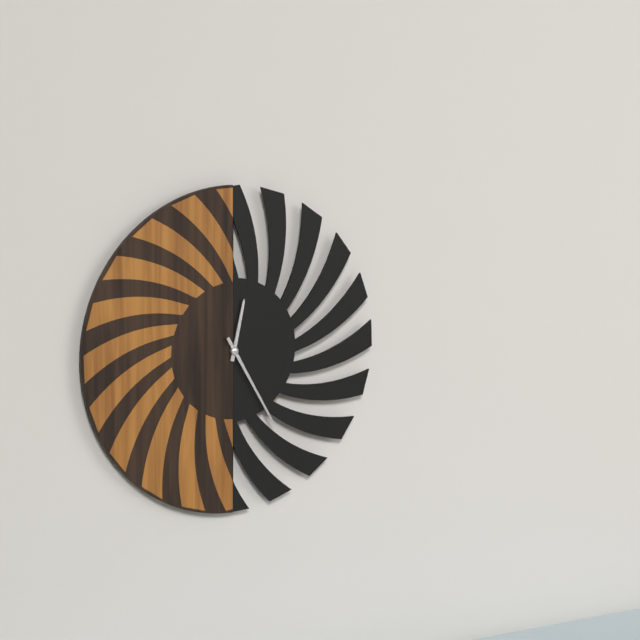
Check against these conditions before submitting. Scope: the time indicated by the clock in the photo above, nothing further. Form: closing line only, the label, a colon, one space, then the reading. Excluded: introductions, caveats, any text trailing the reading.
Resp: 12:25
